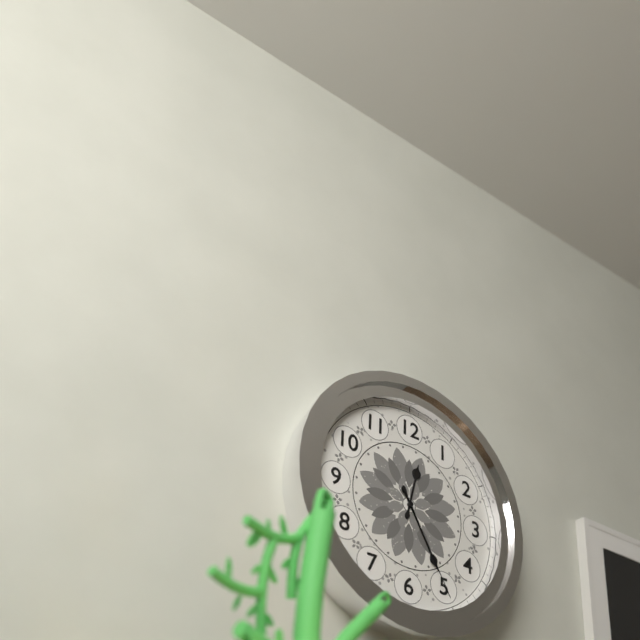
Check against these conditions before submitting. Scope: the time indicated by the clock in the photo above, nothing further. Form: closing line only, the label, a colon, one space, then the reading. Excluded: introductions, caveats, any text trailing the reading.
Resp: 12:25:25
